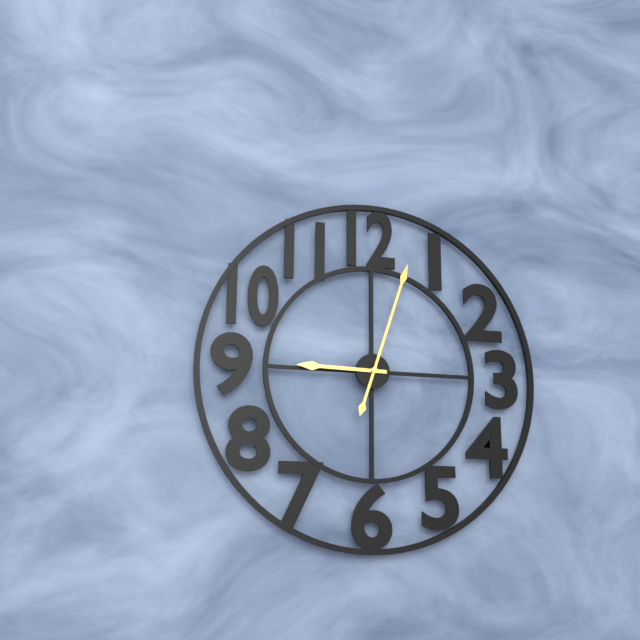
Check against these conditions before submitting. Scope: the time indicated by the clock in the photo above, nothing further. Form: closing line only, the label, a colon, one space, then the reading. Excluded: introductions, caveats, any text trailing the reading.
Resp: 9:03
